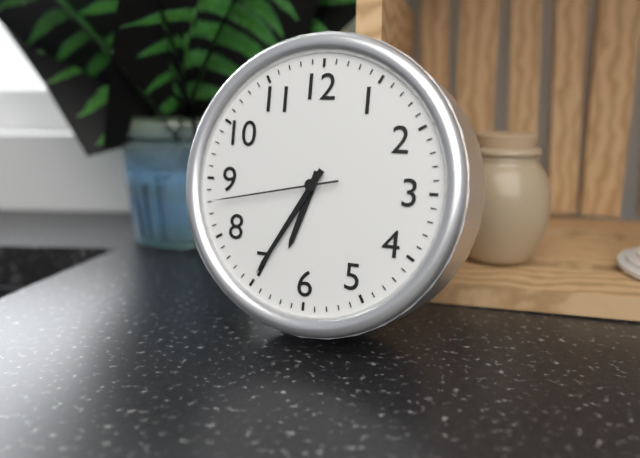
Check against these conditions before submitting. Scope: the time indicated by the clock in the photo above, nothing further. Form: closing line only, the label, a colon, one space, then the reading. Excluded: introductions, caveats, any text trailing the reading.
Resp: 6:35:43
